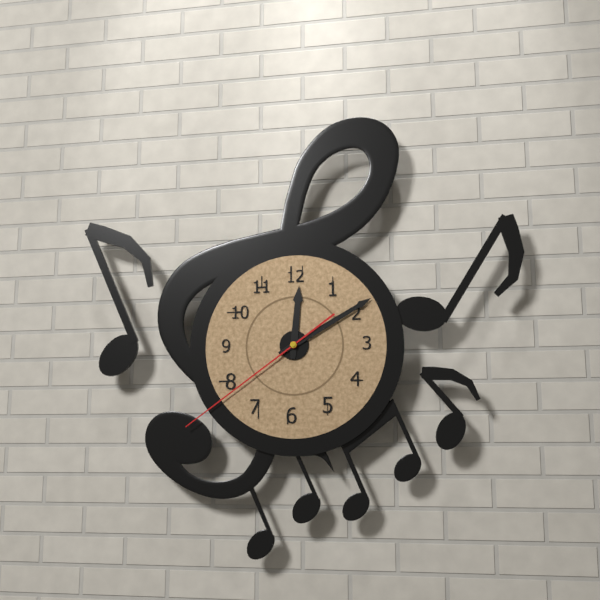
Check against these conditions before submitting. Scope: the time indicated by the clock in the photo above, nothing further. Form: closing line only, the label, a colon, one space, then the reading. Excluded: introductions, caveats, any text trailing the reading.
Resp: 12:10:39
